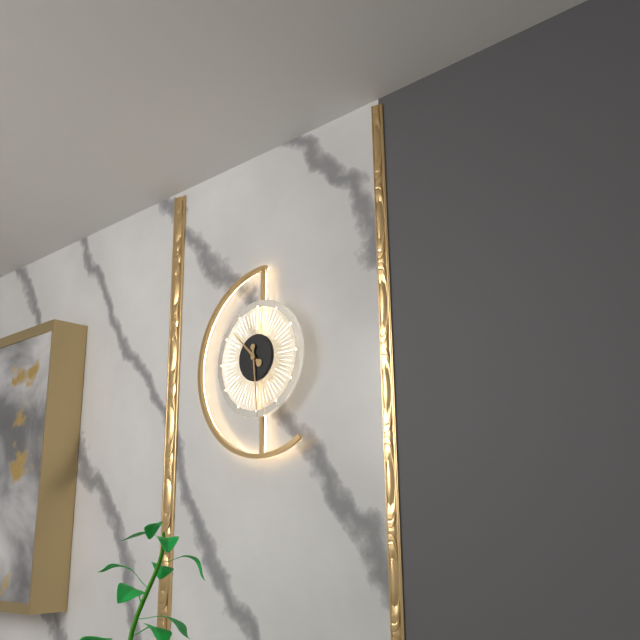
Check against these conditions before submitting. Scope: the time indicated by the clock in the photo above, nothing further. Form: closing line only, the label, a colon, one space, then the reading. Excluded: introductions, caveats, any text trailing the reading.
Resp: 10:29
